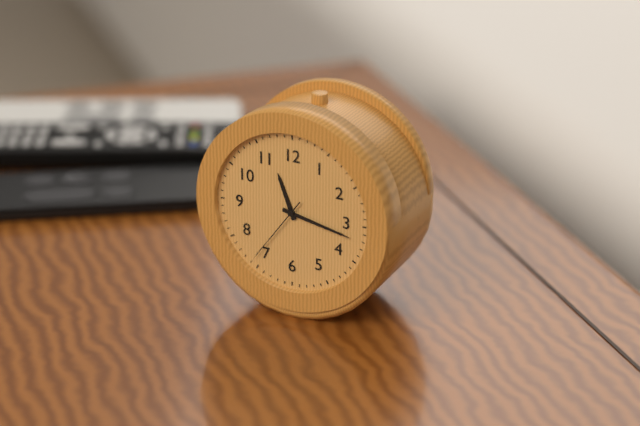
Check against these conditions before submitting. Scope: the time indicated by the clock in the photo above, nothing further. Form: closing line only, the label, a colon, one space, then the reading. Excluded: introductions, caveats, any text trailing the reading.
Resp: 11:17:36
